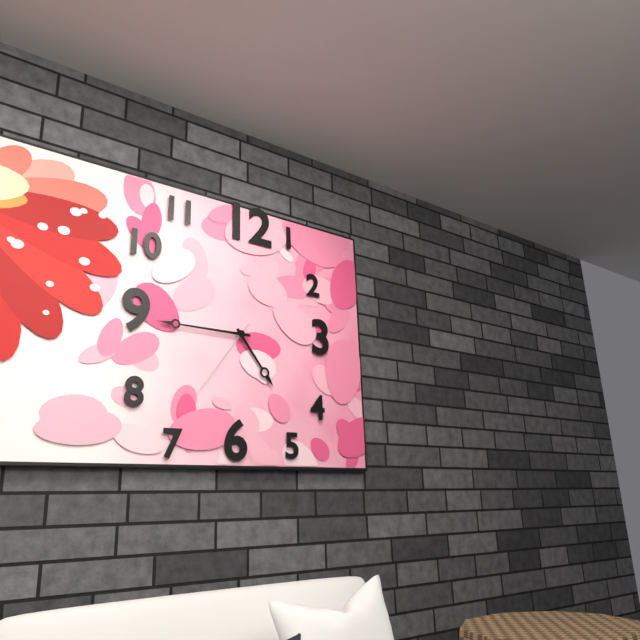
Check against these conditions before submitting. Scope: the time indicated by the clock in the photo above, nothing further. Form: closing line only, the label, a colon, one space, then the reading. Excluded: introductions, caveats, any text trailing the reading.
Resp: 4:45:36
